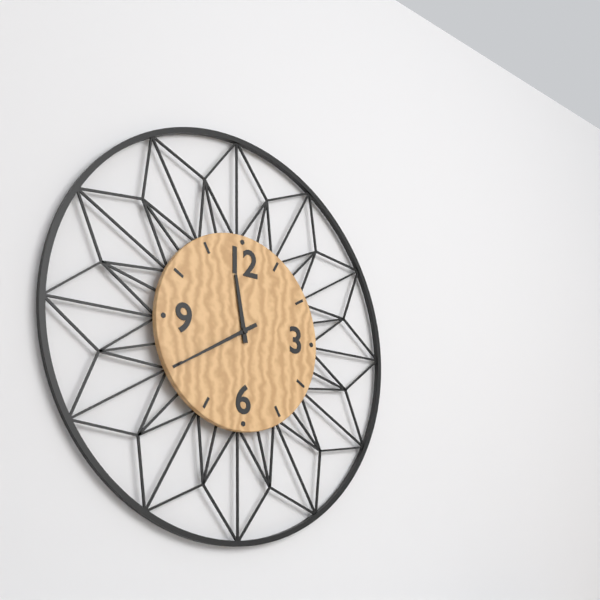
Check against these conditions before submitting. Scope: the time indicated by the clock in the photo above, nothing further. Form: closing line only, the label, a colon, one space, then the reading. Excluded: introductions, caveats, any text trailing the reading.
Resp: 11:40
